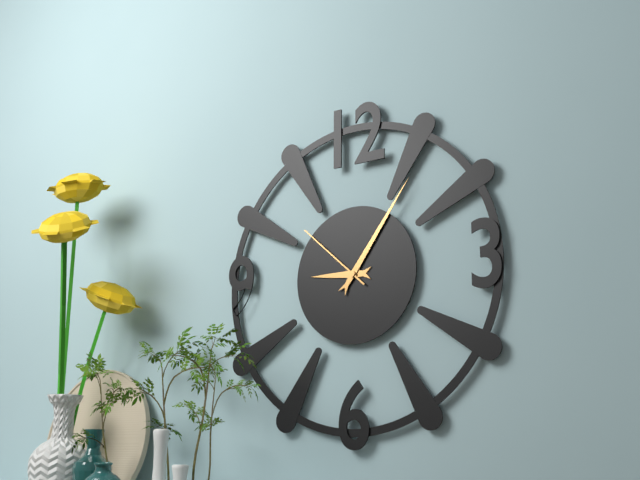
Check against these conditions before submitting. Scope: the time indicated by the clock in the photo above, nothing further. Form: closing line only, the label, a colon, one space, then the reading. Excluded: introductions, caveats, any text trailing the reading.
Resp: 9:06:52
